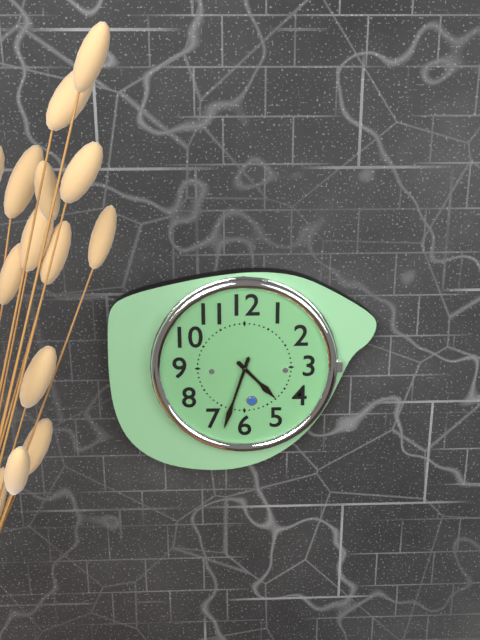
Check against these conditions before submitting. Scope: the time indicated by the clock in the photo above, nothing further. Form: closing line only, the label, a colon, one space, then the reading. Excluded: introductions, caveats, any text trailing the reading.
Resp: 4:33
